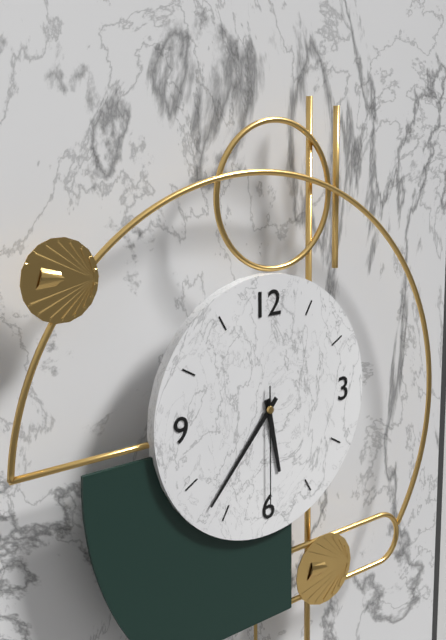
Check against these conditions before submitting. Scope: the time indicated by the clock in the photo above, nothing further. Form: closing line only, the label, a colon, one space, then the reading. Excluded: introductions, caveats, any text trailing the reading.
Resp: 5:37:30
